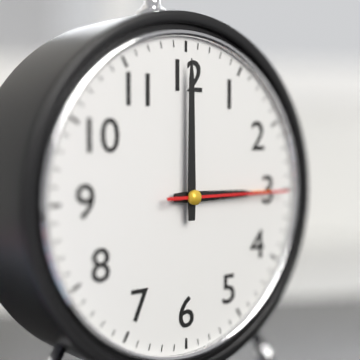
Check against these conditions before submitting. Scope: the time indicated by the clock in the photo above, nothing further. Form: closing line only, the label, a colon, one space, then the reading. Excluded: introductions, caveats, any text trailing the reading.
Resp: 3:00:15
